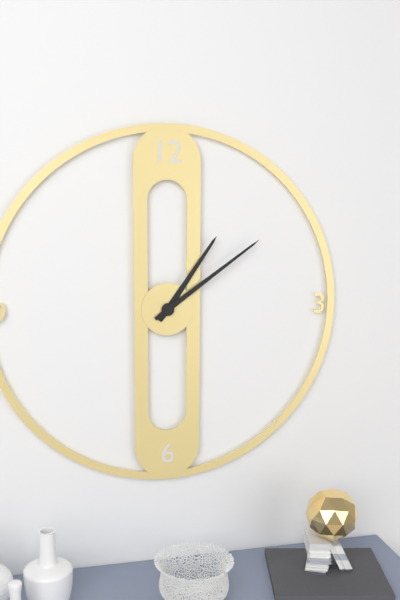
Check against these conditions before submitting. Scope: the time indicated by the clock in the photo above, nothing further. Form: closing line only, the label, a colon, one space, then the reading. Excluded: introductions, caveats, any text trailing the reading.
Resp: 1:09
